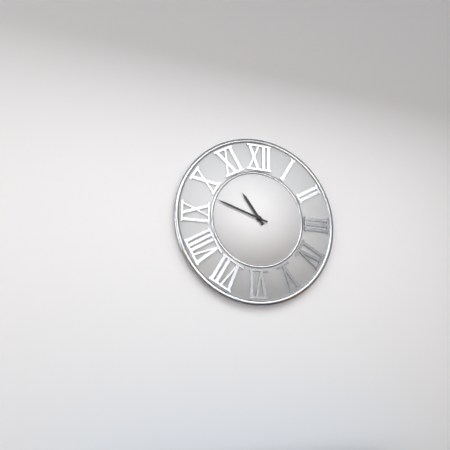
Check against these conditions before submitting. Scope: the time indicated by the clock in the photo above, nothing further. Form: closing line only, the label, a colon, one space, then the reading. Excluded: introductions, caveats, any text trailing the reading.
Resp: 10:48
